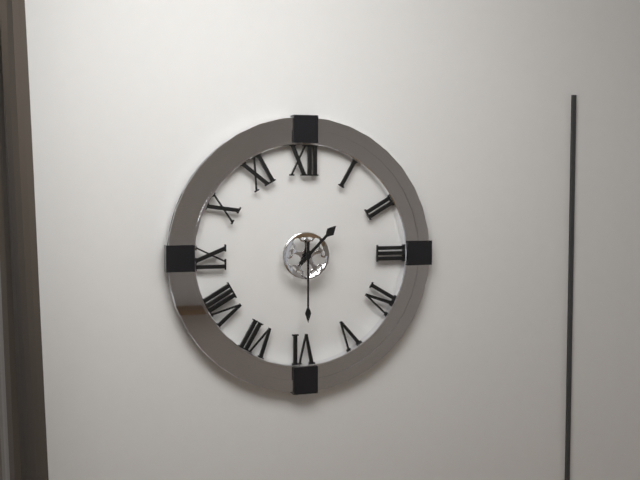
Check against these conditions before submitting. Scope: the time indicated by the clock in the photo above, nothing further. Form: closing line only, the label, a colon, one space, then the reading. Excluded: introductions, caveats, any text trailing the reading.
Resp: 1:30
